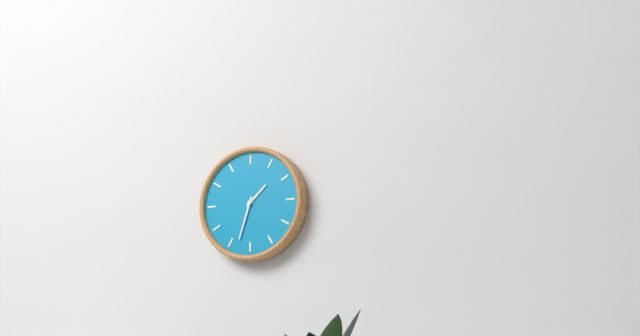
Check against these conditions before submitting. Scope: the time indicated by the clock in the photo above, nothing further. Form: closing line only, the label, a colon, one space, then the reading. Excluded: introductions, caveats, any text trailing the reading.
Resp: 1:33
